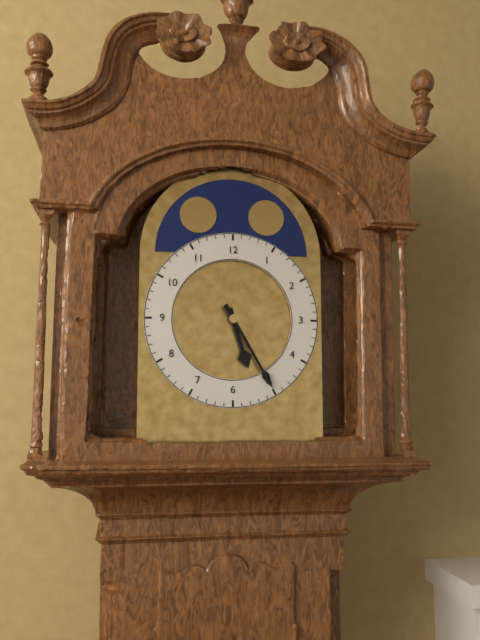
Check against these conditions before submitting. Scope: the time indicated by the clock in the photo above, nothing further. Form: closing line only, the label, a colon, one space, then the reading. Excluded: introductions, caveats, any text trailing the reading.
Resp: 5:25
